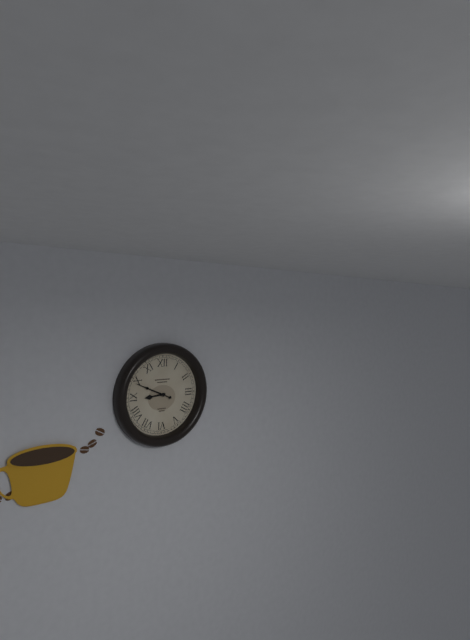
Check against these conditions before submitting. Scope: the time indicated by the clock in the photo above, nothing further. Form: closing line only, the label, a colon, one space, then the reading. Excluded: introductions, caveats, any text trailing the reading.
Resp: 8:49
